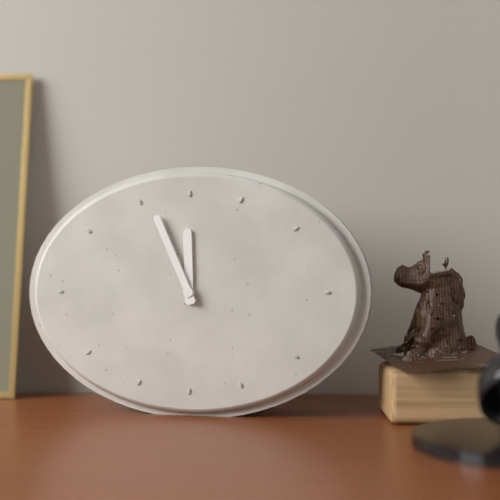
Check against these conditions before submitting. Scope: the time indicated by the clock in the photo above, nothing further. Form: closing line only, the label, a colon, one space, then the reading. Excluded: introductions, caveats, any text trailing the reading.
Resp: 11:56
